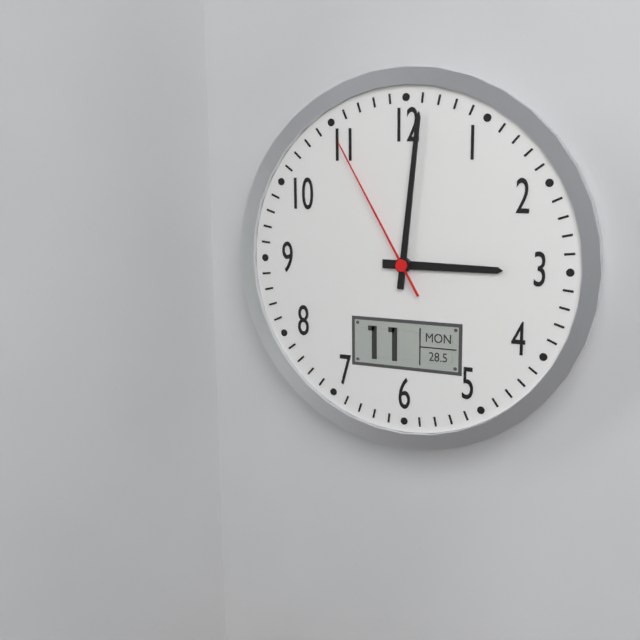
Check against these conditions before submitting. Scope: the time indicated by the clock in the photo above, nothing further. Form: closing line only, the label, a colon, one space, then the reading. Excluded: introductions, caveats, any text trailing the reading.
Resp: 3:01:55
